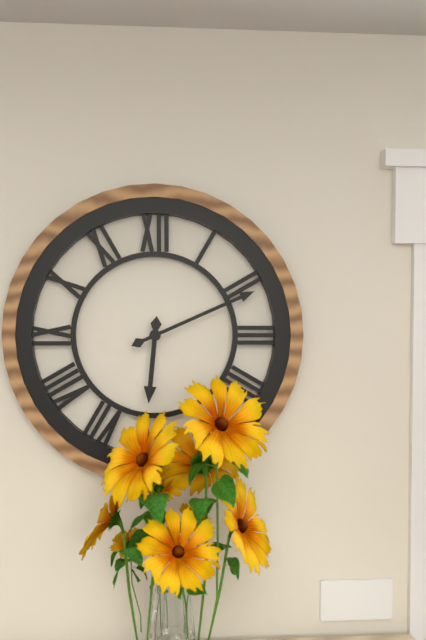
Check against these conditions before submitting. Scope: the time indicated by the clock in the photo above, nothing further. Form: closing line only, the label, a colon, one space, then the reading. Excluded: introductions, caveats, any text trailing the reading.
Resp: 6:11
